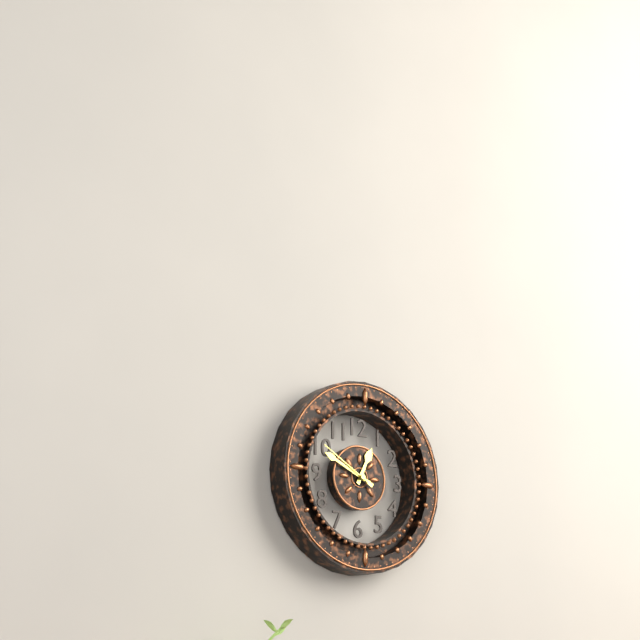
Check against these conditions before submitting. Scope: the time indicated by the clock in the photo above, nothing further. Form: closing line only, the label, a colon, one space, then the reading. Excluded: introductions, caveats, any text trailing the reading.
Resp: 12:49:50
